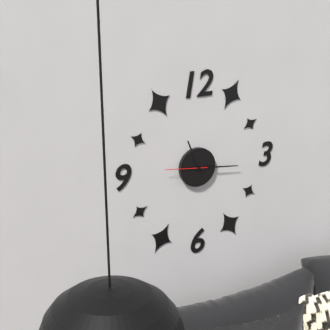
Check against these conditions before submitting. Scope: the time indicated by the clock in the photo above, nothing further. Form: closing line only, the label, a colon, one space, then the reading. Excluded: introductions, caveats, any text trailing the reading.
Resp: 11:16
